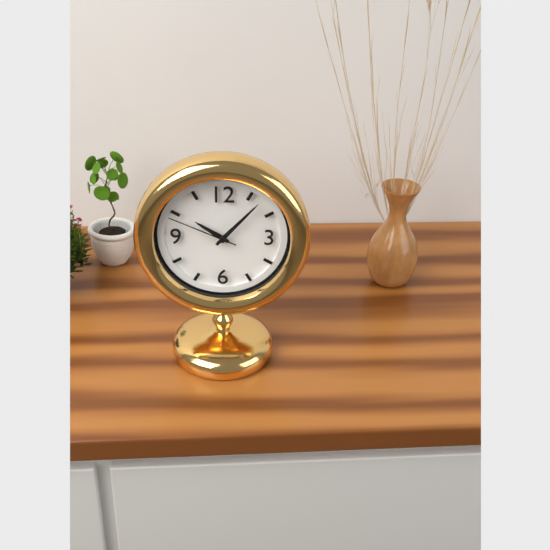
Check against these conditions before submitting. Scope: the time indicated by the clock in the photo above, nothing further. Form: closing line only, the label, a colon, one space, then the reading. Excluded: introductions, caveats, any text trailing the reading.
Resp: 10:07:49
